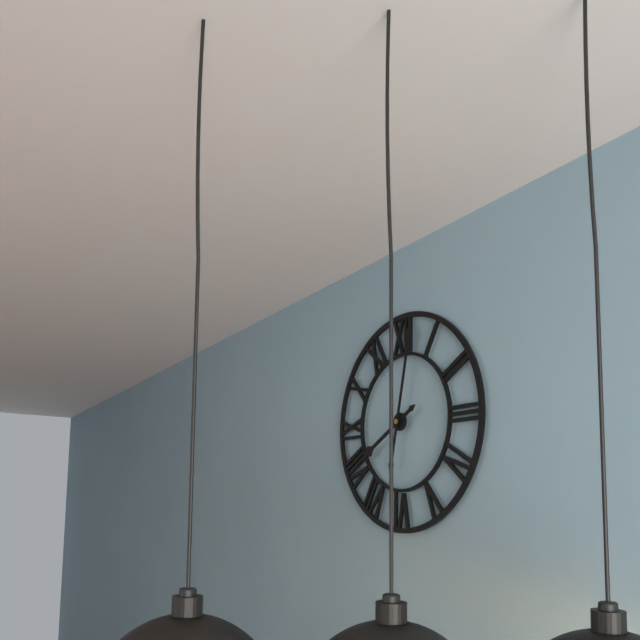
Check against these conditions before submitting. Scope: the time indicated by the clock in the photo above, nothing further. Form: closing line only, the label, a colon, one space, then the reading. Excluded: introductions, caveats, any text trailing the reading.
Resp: 8:02
